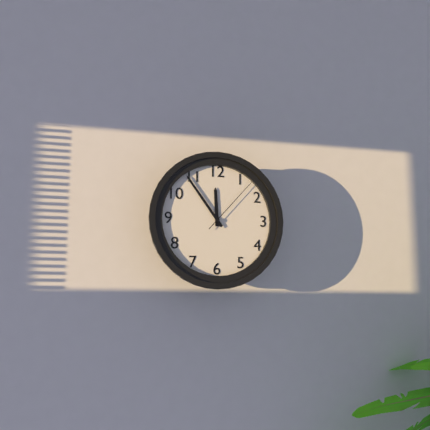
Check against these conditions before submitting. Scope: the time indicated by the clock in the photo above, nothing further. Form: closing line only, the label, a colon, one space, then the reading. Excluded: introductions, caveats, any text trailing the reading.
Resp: 11:54:07
